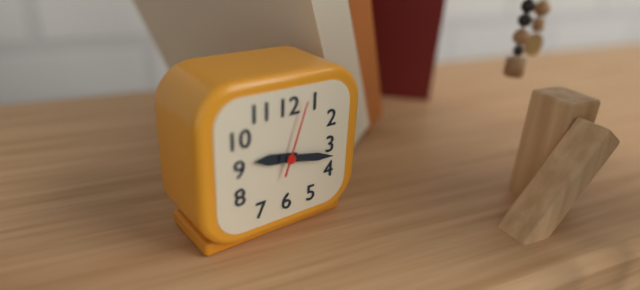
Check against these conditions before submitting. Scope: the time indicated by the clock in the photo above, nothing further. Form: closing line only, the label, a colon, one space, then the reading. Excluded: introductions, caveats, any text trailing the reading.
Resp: 9:17:03
